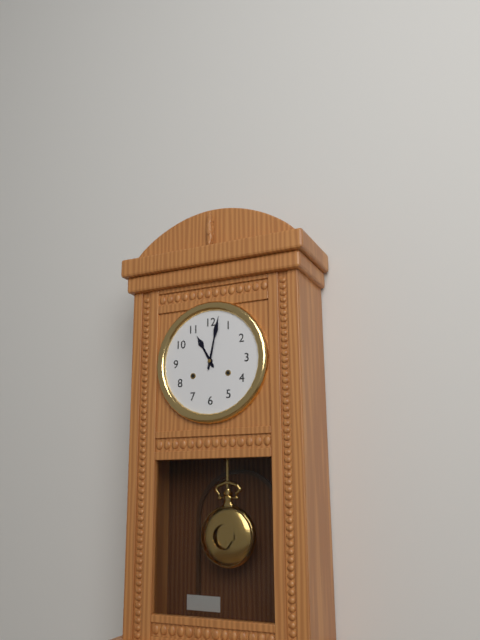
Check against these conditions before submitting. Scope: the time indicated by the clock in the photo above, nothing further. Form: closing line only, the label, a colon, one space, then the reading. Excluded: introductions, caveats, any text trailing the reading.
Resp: 11:02
